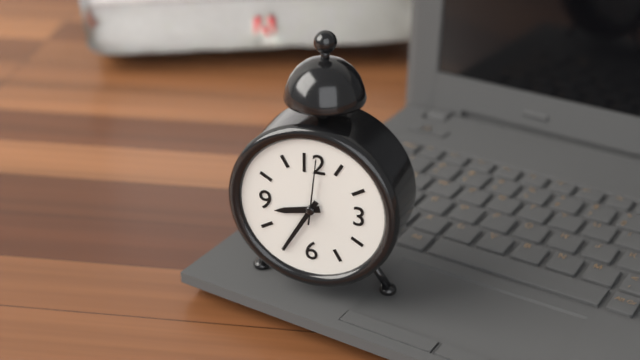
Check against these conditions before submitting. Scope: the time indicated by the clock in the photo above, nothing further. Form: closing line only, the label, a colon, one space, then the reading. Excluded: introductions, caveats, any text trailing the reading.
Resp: 8:35:01
